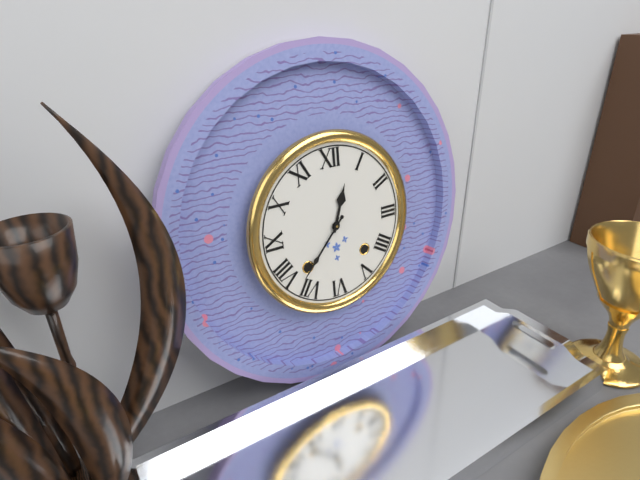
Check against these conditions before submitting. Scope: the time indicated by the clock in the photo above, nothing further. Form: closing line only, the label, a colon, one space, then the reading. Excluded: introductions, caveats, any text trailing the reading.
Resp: 12:37
